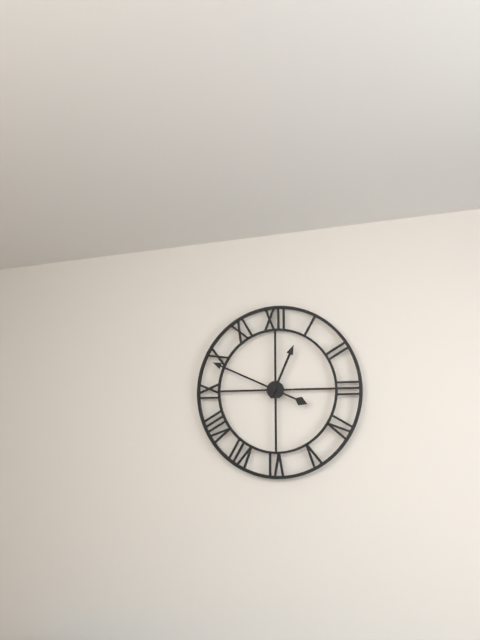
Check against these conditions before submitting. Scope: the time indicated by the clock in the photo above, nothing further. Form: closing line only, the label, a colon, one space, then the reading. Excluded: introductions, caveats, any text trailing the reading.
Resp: 12:49
